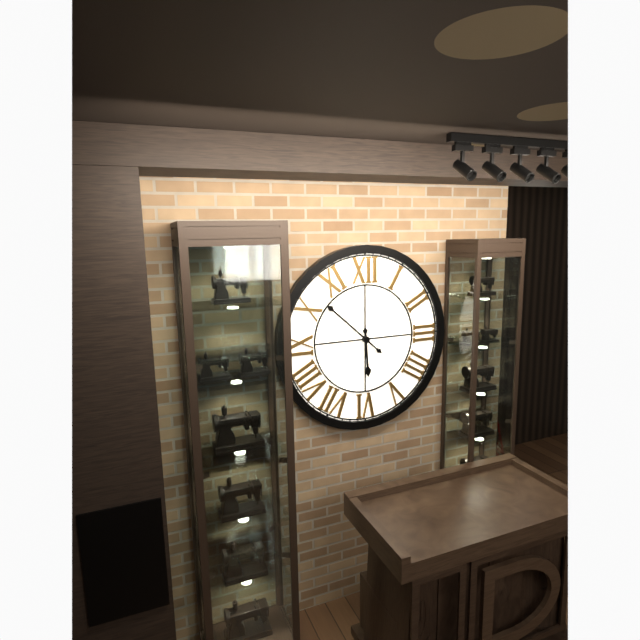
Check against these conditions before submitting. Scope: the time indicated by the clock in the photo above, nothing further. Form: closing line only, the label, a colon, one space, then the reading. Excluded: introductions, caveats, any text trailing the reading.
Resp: 5:52
